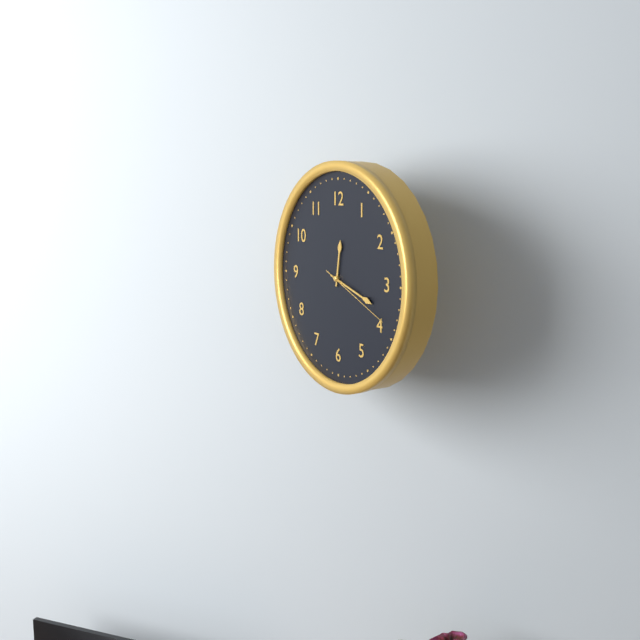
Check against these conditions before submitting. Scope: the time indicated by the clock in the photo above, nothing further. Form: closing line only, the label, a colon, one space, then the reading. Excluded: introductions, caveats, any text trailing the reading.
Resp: 12:18:19
